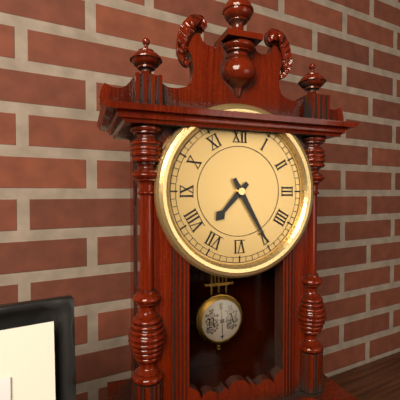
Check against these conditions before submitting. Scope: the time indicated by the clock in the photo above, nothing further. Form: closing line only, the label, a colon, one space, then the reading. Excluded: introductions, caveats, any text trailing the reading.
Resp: 7:25
